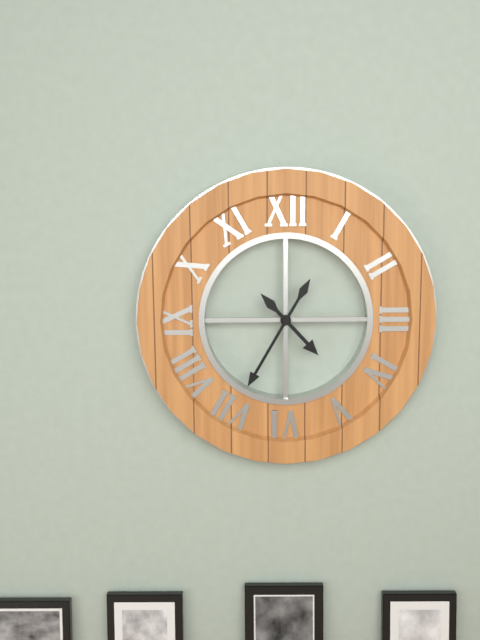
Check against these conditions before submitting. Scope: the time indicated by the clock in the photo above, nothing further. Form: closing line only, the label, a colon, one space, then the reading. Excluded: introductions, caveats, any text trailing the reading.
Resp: 4:35
